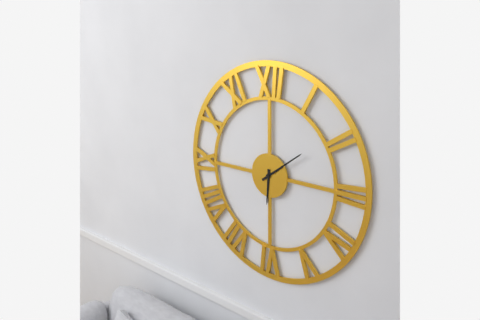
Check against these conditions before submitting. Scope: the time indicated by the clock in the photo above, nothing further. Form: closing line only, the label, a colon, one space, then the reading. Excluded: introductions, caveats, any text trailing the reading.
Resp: 6:09
